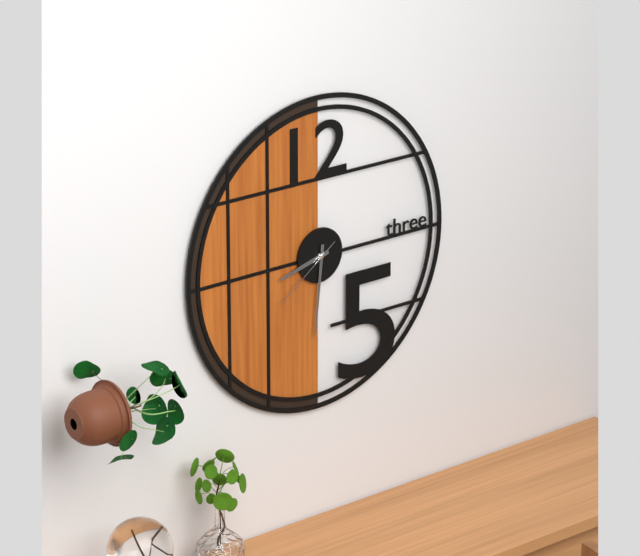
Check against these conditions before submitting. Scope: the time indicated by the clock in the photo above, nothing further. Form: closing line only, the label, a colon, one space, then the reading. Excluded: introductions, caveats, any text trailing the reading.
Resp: 8:31:39
